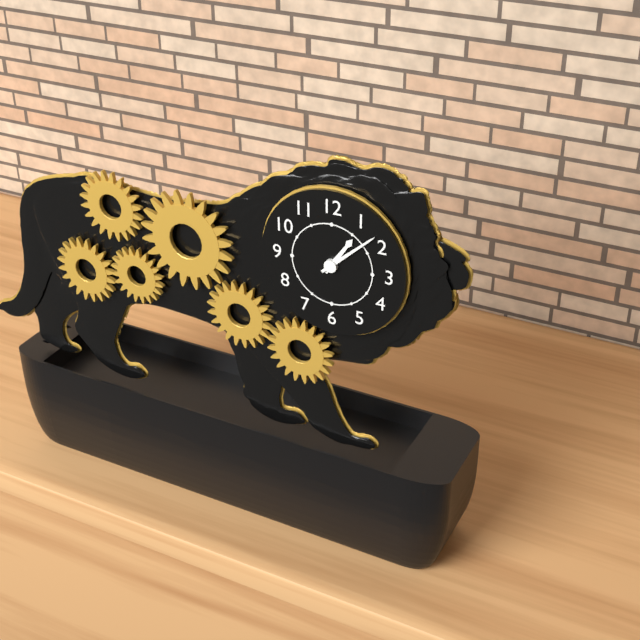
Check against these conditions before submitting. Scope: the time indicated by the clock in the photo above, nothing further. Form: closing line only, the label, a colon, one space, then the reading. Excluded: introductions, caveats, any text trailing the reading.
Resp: 1:08
